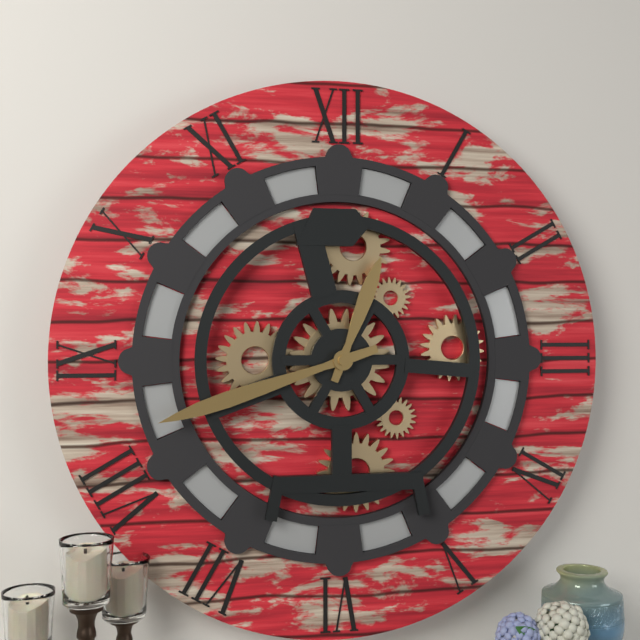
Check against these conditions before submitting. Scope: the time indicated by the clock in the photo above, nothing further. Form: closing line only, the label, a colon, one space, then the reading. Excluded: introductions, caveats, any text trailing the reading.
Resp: 12:42
